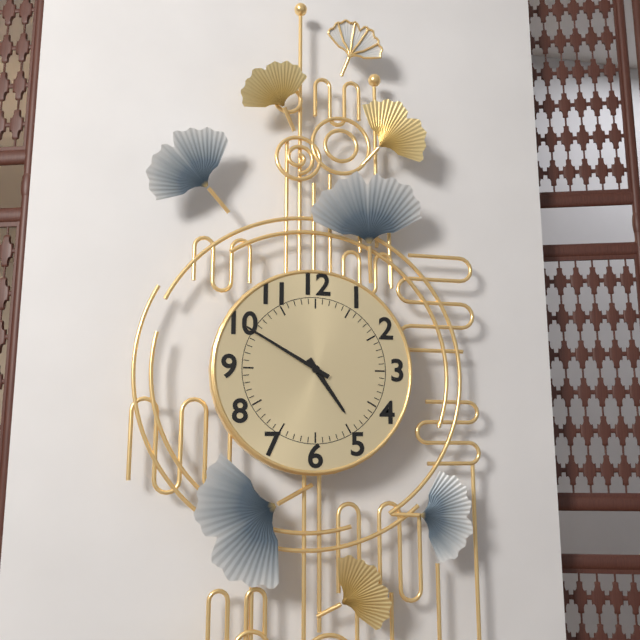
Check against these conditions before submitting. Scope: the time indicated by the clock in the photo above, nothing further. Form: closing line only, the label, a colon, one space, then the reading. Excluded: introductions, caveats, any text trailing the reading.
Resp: 4:50
